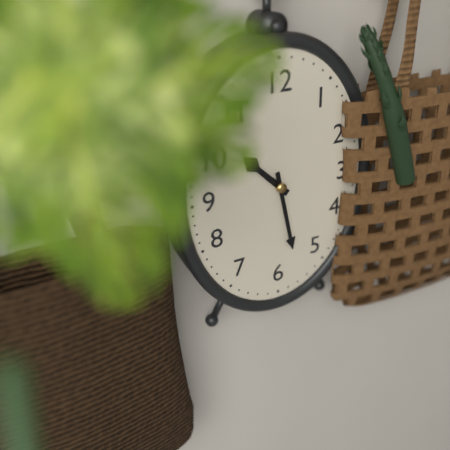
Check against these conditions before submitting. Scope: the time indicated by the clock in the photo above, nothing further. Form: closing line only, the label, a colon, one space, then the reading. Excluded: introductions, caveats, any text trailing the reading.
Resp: 10:28
